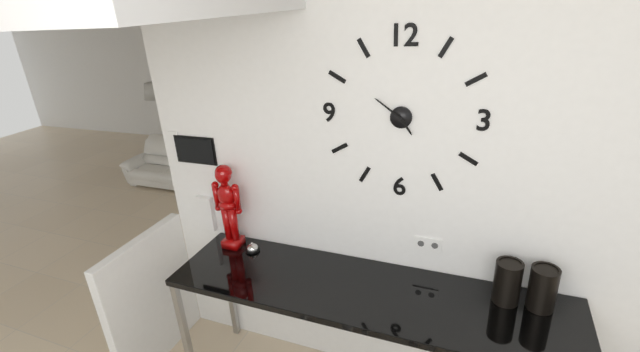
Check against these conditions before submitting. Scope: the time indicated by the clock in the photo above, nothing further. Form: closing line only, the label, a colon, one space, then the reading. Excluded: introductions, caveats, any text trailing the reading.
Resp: 4:51
